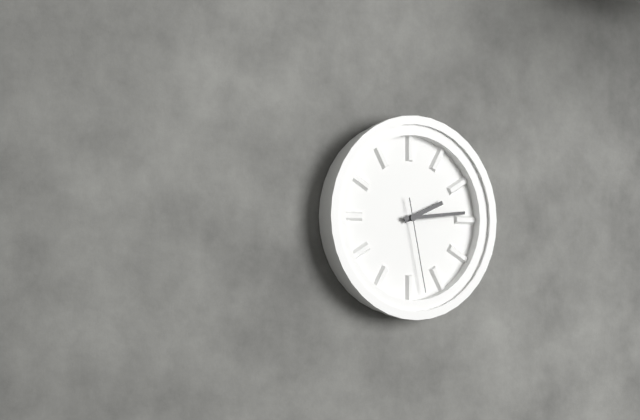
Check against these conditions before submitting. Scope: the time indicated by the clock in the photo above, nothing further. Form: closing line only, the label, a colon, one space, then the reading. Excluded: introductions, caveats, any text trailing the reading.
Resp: 2:14:28
